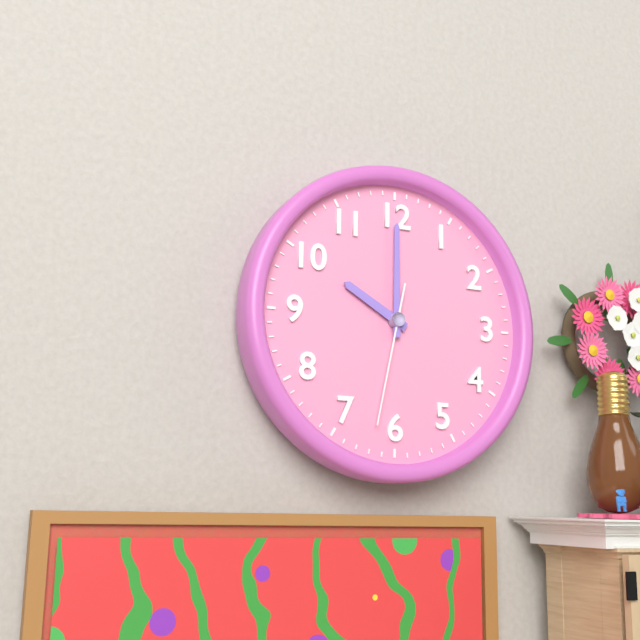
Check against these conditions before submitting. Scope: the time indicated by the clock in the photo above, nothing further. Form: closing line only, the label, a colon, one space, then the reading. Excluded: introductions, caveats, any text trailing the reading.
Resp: 10:00:32
